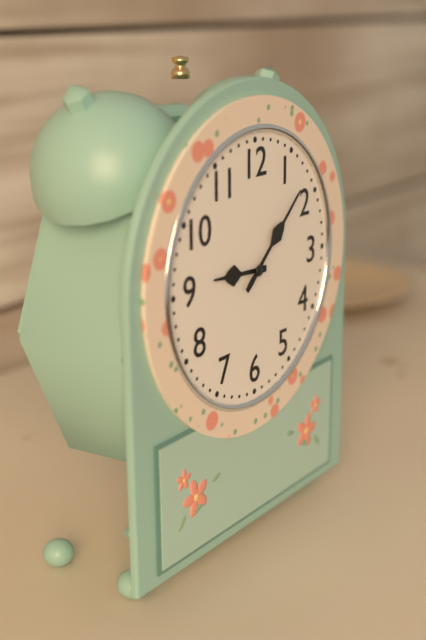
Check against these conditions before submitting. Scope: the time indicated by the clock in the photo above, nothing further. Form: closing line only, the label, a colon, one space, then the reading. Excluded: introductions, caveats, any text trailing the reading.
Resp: 9:08
